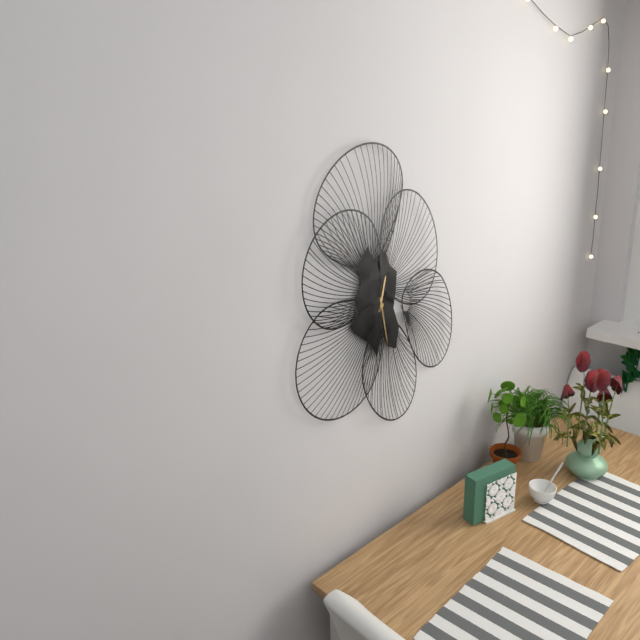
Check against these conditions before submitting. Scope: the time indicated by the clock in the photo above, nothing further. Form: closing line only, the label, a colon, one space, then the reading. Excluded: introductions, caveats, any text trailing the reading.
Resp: 12:28
